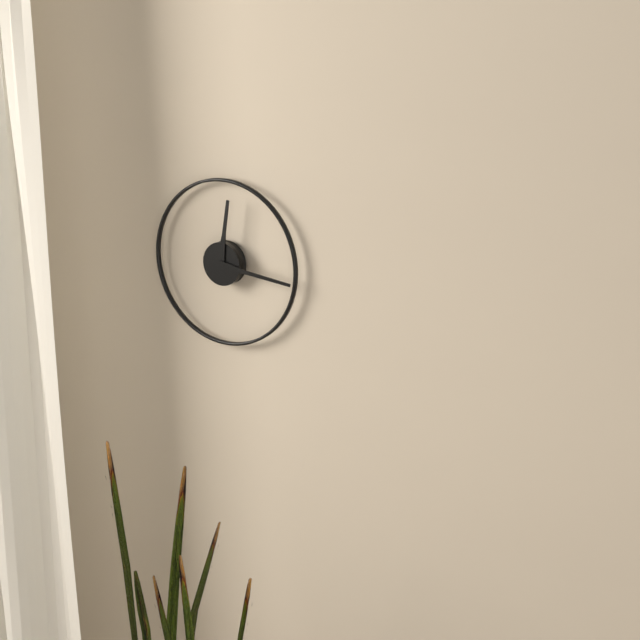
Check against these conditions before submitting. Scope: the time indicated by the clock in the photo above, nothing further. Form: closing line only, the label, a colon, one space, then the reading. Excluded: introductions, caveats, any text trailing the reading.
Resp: 12:16
